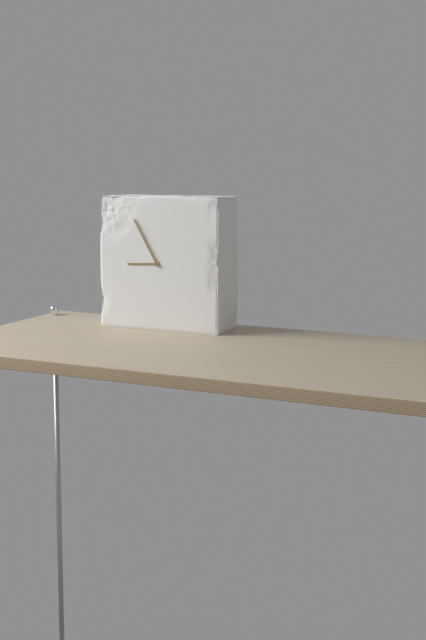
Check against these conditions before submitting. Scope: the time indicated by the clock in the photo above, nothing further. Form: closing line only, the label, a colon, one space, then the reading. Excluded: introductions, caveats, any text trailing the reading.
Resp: 8:55
